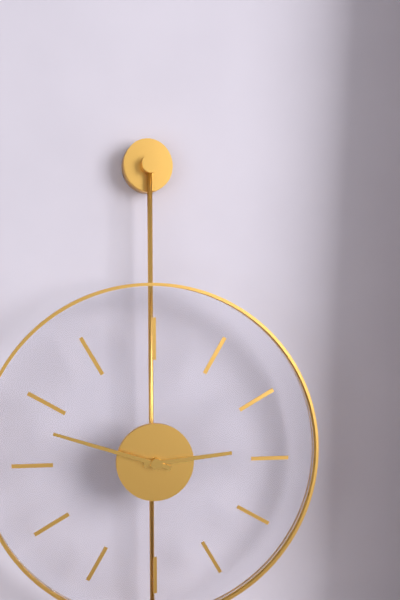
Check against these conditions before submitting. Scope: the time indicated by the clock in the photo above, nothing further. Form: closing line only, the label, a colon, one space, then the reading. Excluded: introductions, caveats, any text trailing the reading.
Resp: 2:48
